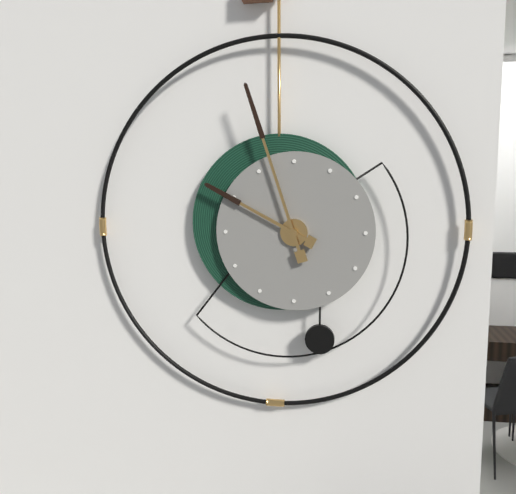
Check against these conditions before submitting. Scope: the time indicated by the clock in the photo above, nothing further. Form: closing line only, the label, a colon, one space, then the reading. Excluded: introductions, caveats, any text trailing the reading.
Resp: 9:57
